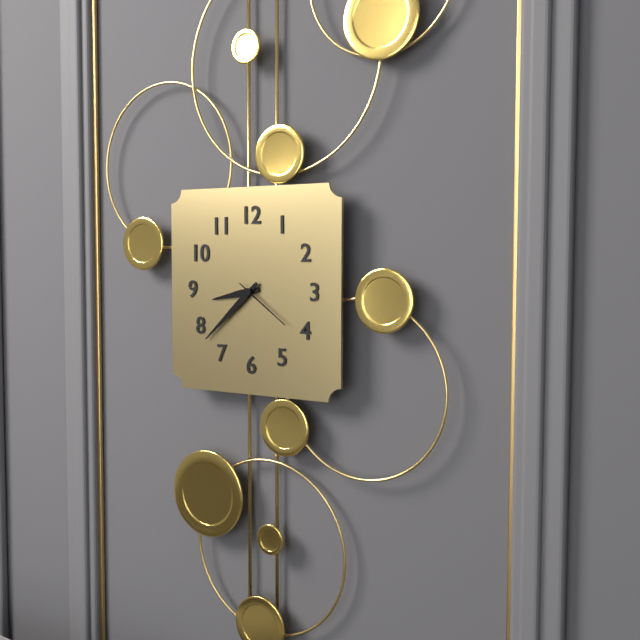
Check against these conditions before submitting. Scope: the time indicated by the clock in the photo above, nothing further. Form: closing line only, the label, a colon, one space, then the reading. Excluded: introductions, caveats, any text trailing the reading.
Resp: 8:38:21
